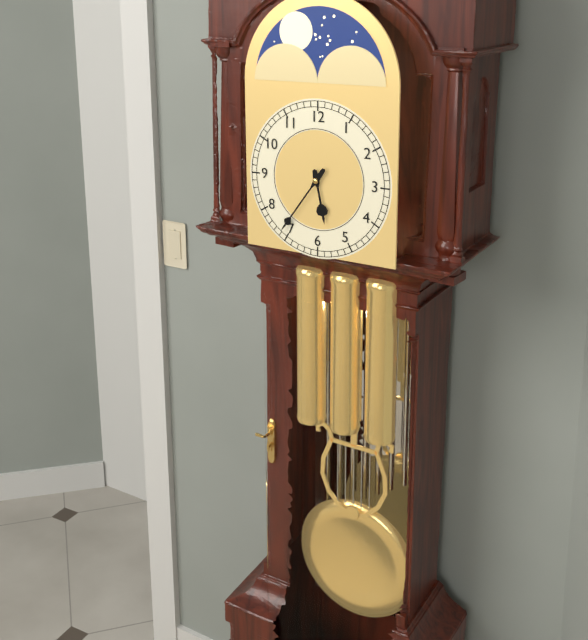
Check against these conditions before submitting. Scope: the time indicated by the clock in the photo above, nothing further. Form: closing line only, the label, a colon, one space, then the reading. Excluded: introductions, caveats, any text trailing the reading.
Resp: 5:36
